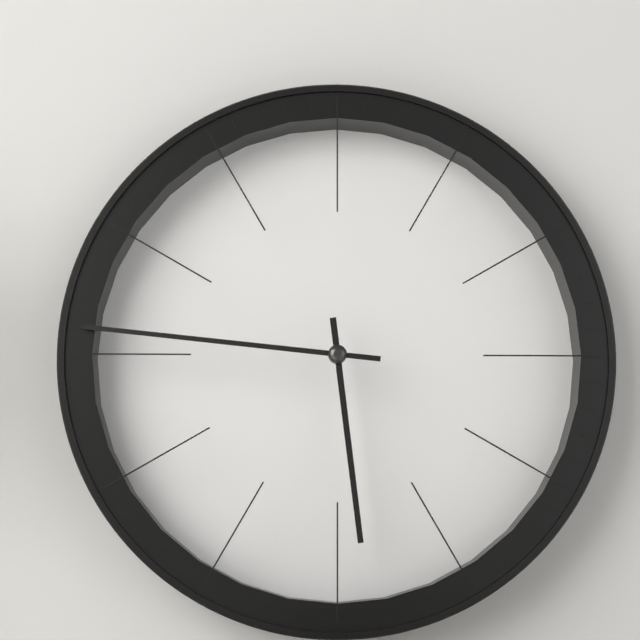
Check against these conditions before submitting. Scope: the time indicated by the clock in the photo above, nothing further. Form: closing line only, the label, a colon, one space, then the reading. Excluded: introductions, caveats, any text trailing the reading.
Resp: 5:46
